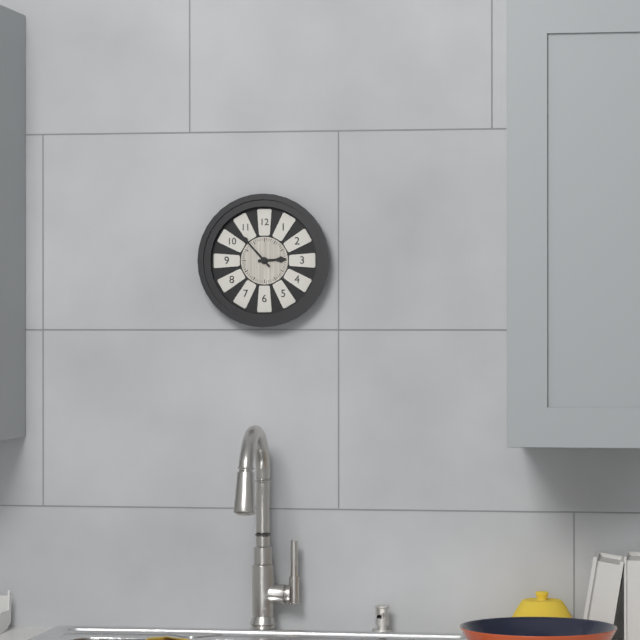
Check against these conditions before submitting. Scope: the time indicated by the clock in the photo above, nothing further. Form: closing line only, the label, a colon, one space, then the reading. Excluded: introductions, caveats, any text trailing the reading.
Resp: 2:53
